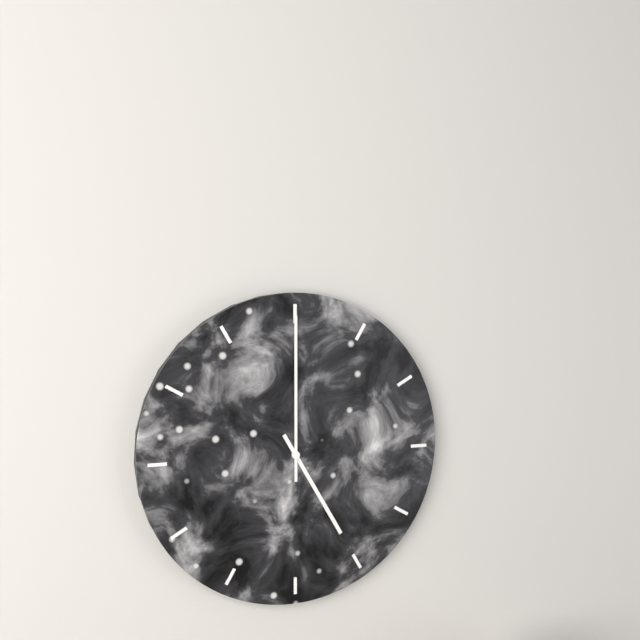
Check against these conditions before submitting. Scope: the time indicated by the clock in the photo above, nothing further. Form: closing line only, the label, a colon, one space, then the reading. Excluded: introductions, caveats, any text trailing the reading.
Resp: 5:00
